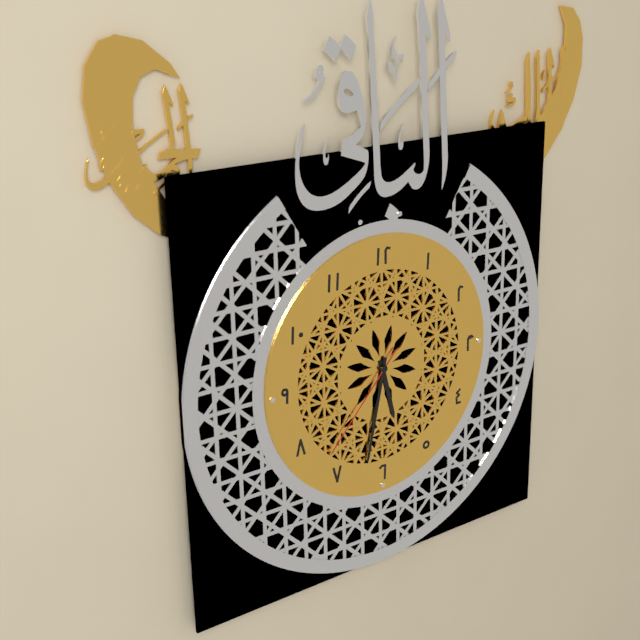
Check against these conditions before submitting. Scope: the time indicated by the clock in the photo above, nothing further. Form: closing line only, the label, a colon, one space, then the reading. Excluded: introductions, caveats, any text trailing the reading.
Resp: 5:32:37
